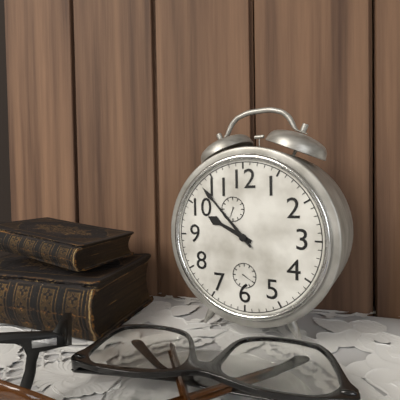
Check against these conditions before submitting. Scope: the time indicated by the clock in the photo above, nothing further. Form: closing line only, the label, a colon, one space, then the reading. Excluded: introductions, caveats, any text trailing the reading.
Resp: 9:53
